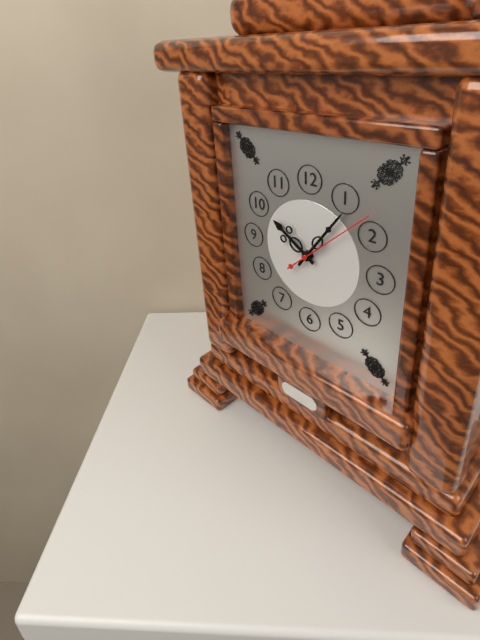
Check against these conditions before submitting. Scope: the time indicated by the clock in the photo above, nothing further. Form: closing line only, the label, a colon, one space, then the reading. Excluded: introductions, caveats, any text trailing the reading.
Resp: 10:06:08
